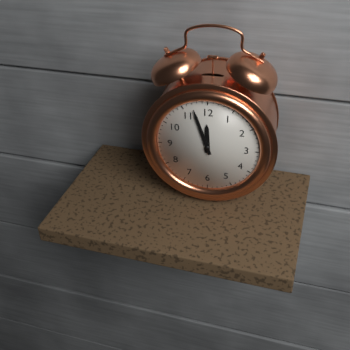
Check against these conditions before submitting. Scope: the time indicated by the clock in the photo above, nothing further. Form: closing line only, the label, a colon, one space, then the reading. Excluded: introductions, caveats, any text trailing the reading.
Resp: 11:57
